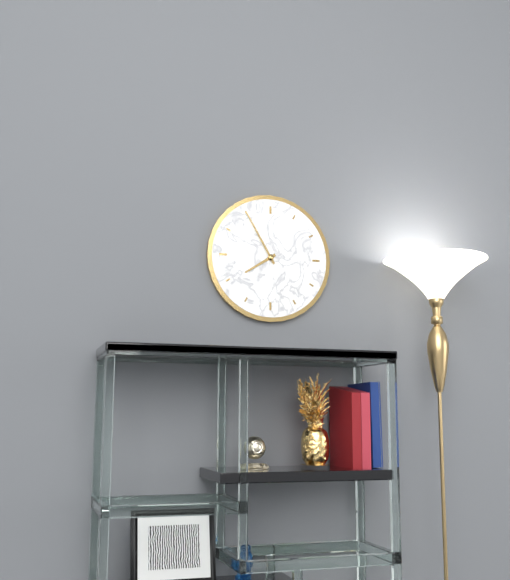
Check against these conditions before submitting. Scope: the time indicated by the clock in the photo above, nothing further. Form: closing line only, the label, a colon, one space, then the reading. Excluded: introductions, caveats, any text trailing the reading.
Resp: 7:55
